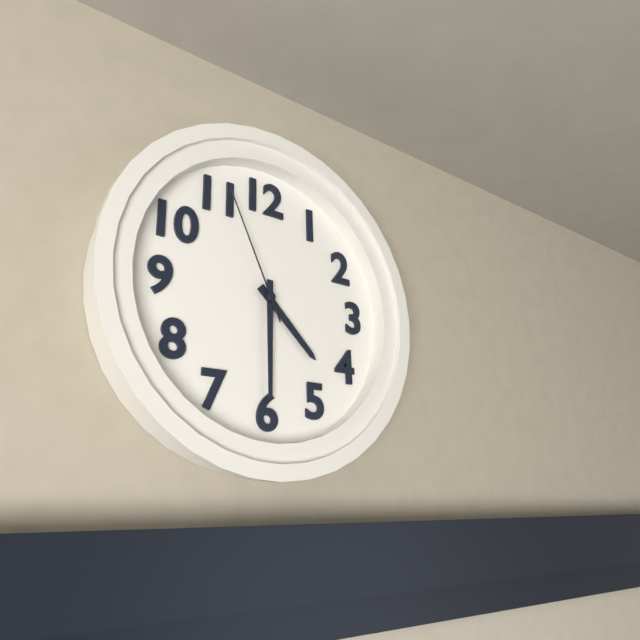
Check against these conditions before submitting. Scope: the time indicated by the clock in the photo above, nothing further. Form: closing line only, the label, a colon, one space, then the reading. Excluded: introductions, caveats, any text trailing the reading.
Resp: 4:30:56
